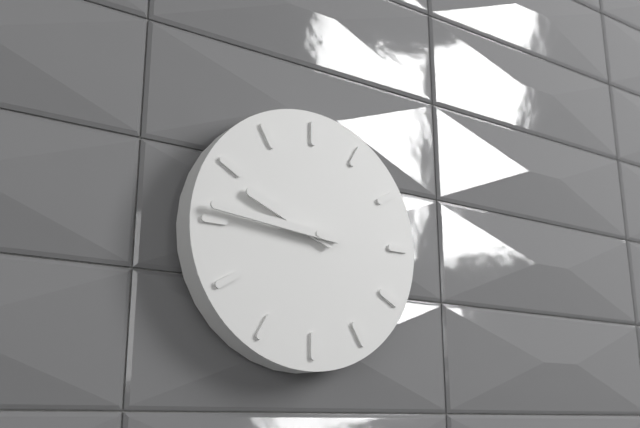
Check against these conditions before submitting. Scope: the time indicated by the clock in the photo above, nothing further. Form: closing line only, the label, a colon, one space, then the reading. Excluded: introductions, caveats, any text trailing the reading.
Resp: 9:46
